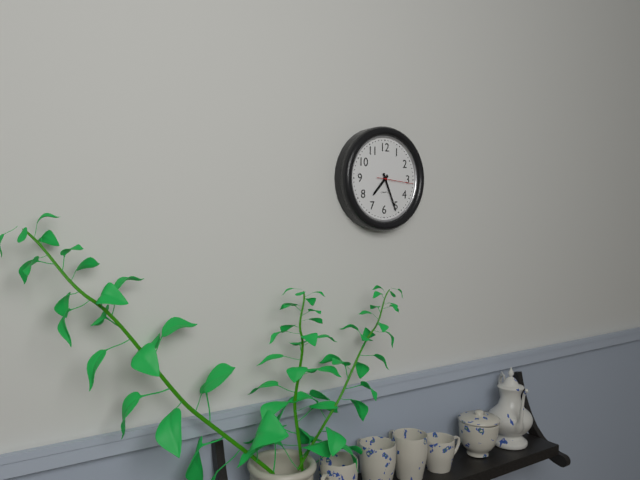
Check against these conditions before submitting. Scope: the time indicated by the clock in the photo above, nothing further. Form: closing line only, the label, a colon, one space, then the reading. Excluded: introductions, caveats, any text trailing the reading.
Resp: 7:26
